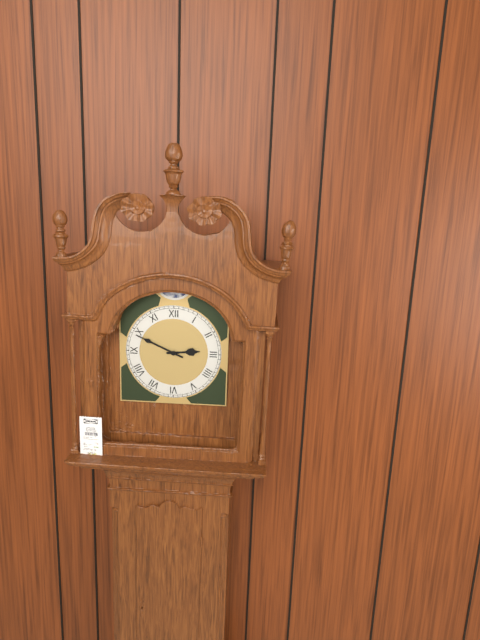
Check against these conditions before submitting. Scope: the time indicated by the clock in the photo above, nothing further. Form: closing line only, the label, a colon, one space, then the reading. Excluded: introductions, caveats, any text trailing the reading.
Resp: 2:49
